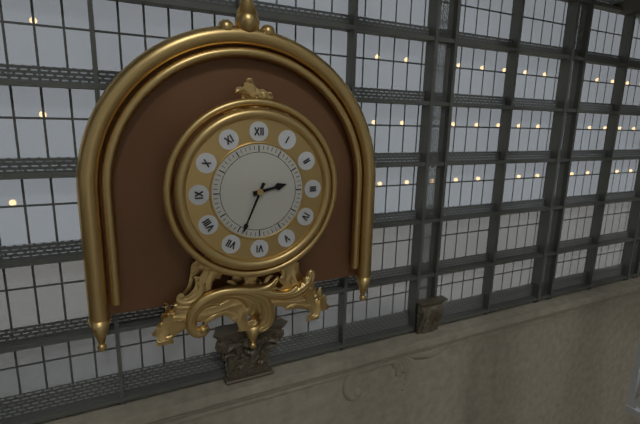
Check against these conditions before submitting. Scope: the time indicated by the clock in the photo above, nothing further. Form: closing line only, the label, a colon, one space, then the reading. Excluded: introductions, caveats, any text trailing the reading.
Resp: 2:34
